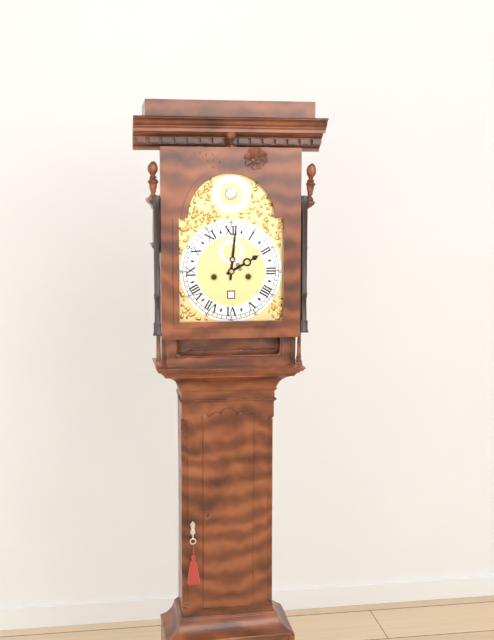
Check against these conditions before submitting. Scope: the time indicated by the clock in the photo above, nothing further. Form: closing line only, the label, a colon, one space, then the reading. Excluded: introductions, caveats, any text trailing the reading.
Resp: 2:01
